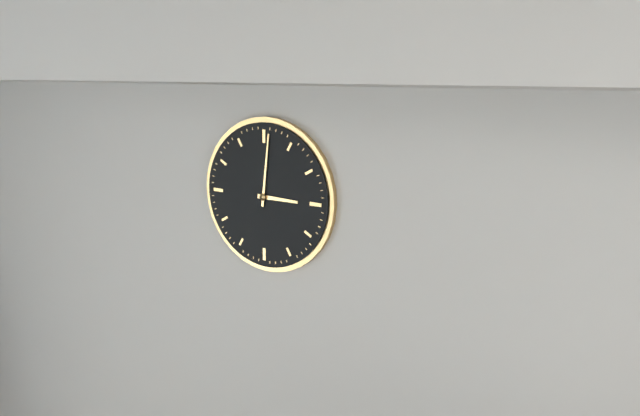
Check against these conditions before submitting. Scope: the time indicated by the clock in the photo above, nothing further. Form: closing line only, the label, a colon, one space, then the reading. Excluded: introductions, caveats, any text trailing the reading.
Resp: 3:01
